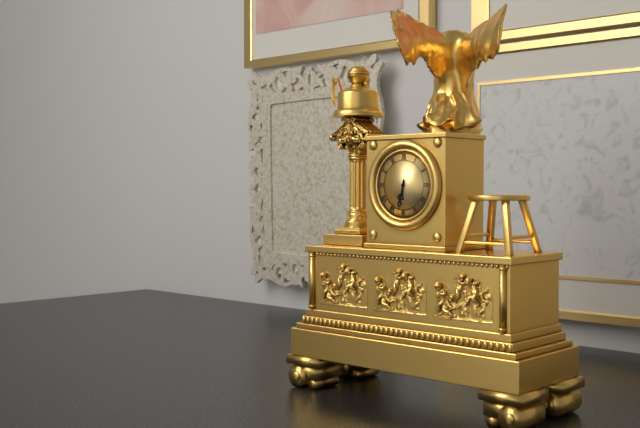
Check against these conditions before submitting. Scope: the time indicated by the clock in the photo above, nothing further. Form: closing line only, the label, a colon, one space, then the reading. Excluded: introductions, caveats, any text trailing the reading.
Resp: 6:32
